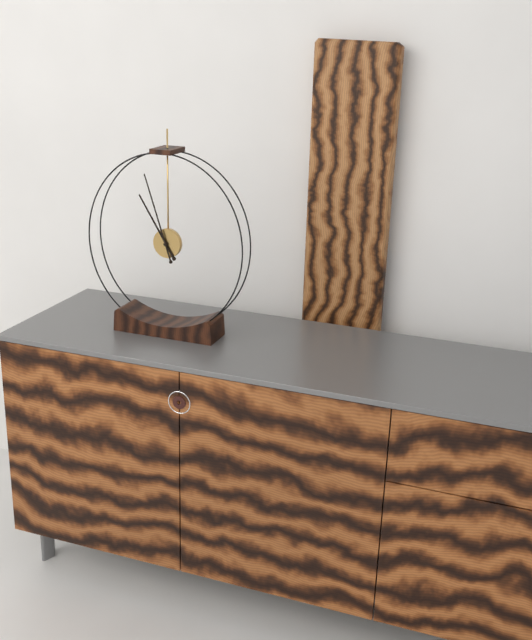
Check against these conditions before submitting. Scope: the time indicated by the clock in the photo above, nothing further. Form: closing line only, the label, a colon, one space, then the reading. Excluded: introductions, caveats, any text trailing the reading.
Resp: 10:57
